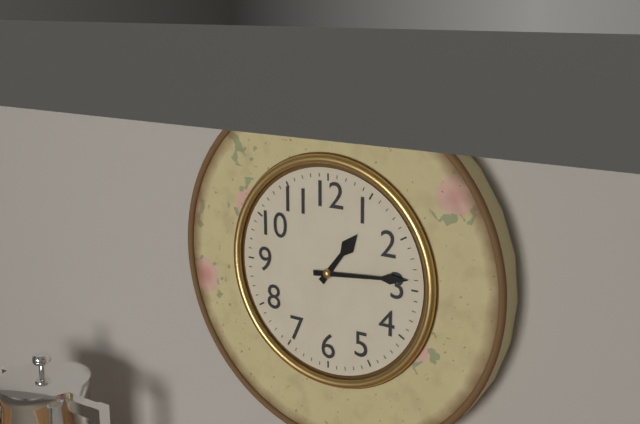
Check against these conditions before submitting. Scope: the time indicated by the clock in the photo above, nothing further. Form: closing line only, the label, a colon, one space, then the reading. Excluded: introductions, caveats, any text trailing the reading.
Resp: 1:14
